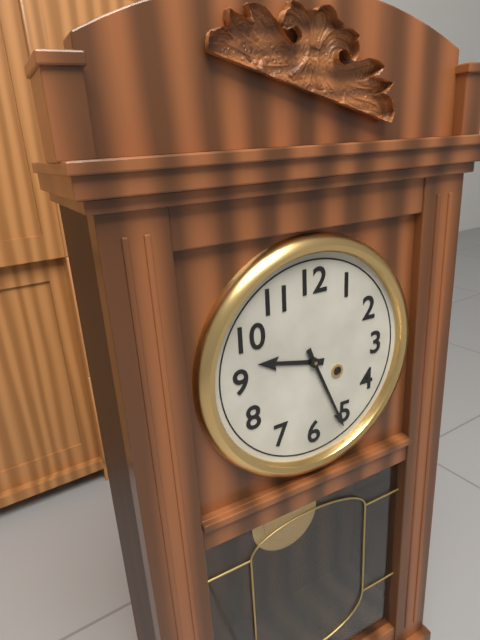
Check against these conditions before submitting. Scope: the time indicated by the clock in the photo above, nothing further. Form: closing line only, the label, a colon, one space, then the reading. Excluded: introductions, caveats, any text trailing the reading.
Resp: 9:26
